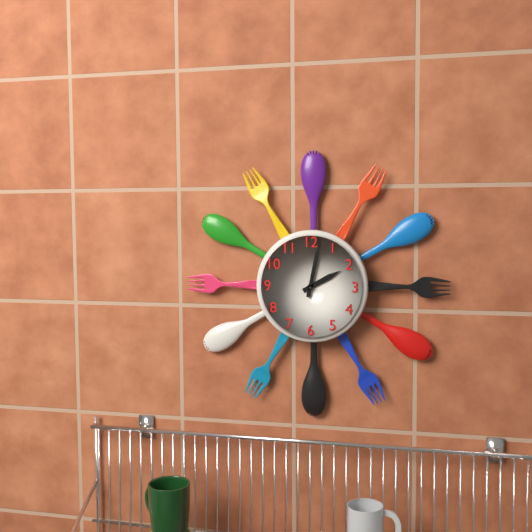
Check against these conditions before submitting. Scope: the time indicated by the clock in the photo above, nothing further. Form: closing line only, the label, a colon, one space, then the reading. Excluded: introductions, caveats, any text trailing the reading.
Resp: 2:02
